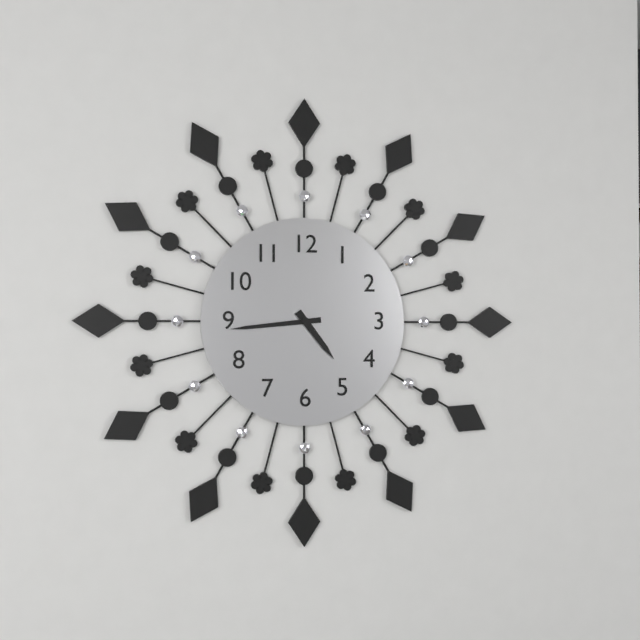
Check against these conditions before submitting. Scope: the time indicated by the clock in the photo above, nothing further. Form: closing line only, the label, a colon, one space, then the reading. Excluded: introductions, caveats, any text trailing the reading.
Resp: 4:44
